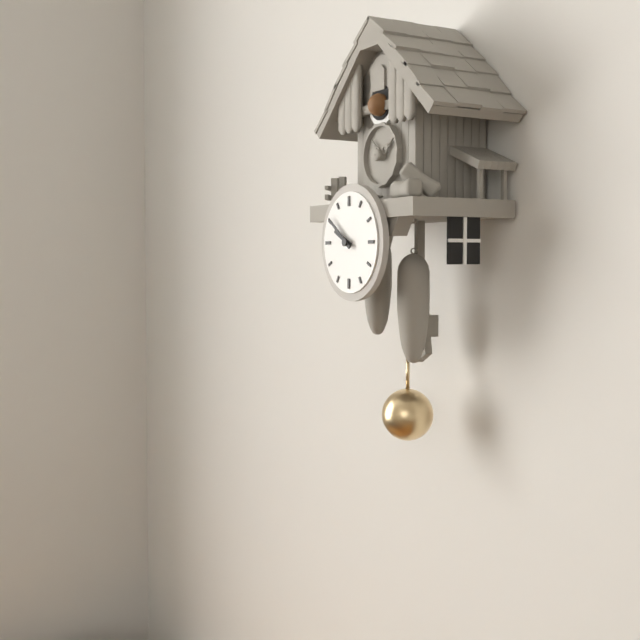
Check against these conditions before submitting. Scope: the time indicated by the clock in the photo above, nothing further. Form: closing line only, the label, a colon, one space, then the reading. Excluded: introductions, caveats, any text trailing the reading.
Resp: 9:51
